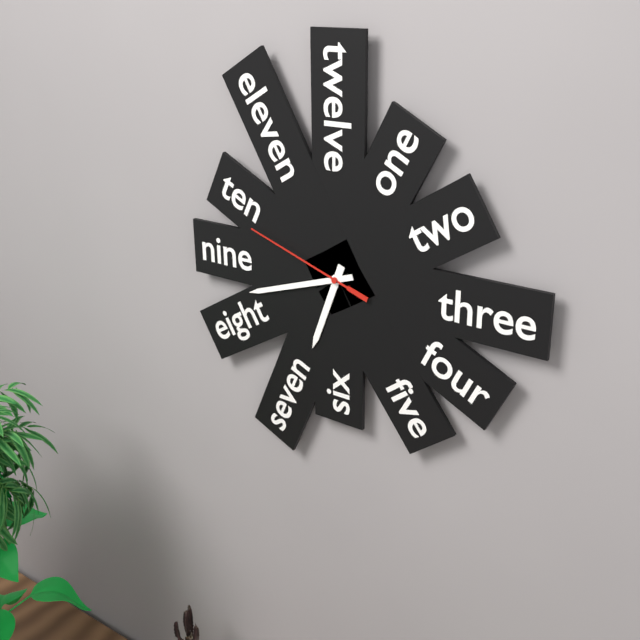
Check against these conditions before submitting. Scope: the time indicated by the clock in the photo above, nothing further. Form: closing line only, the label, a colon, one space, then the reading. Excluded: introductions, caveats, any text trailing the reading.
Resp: 6:42:48
